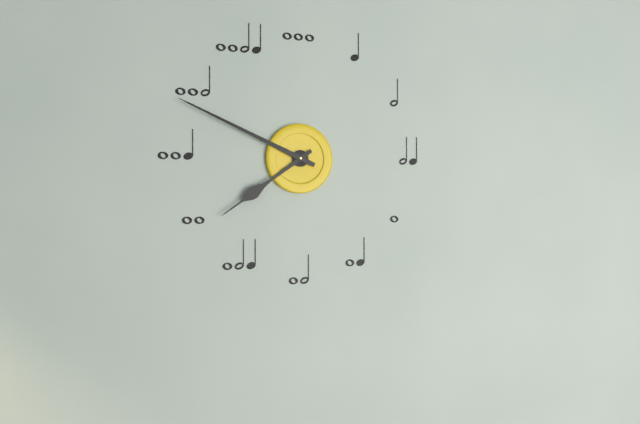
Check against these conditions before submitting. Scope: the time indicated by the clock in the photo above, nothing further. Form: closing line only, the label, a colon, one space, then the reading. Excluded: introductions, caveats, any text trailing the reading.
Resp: 7:49
